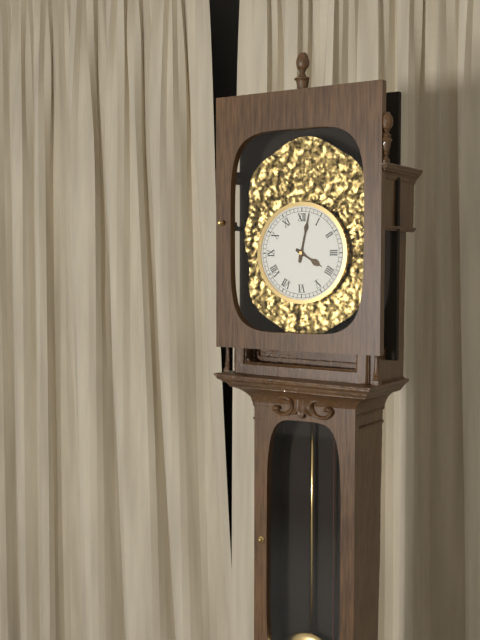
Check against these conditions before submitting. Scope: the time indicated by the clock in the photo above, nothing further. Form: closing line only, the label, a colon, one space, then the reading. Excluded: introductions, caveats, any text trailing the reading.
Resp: 4:02
